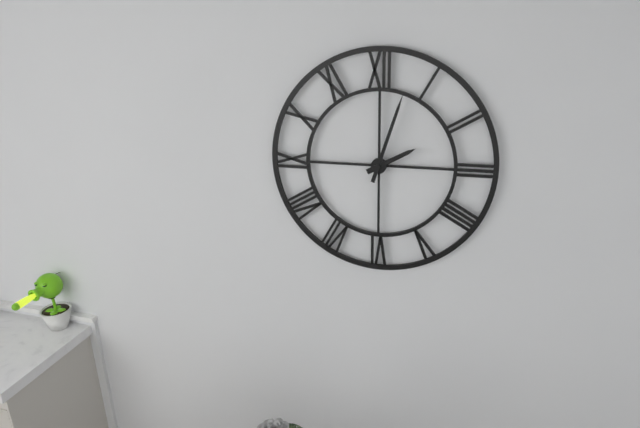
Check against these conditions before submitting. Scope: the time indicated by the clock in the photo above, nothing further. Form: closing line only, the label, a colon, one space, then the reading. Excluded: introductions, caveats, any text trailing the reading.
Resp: 2:03
